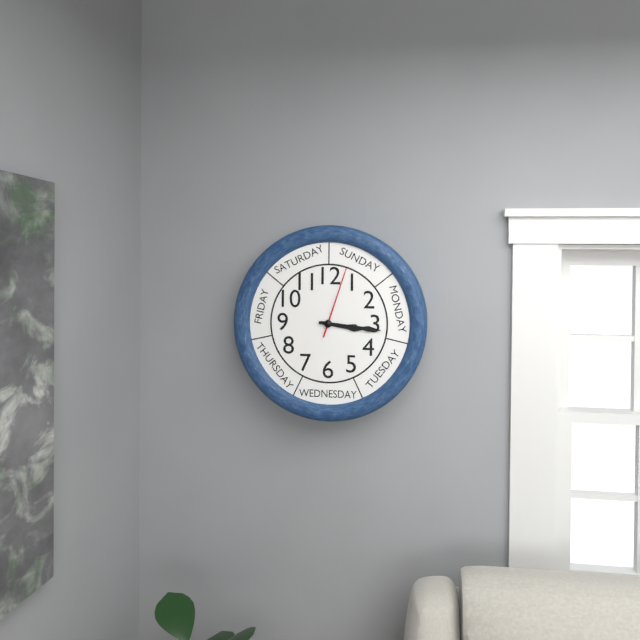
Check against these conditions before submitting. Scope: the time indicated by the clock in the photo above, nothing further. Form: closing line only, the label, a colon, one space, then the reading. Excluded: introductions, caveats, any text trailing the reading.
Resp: 3:16:03
